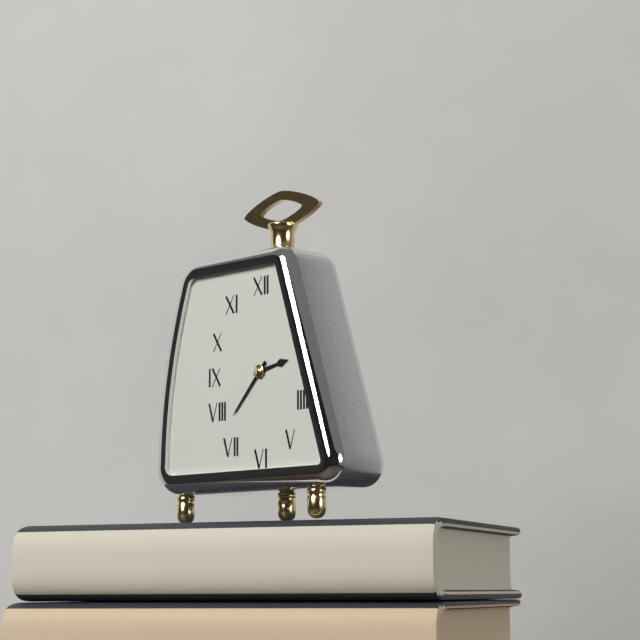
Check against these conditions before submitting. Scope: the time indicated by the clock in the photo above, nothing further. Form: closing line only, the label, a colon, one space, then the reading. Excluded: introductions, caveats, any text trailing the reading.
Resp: 2:37
